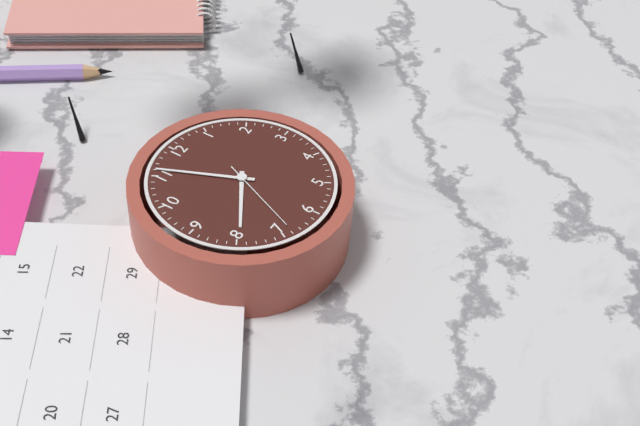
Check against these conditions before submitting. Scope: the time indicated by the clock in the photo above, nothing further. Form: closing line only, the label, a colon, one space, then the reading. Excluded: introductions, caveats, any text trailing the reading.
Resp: 7:56:34
